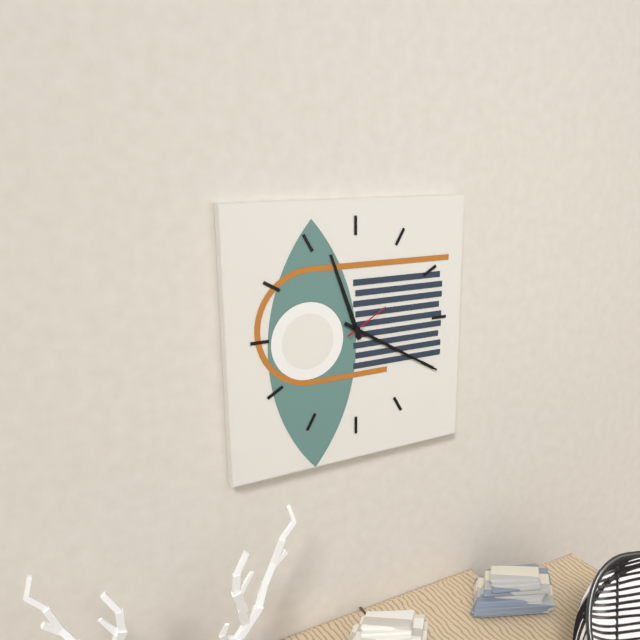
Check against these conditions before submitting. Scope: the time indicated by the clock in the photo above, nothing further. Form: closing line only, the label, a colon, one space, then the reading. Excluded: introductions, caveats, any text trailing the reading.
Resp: 11:20
